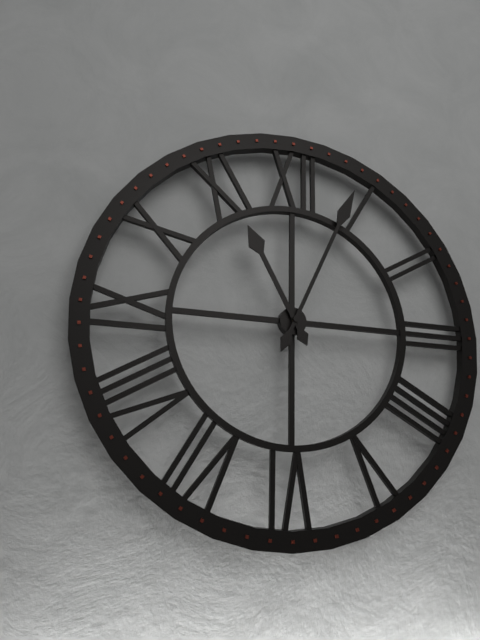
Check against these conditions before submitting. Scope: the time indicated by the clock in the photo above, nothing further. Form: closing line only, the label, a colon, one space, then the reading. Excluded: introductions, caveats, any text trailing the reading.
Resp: 11:04
